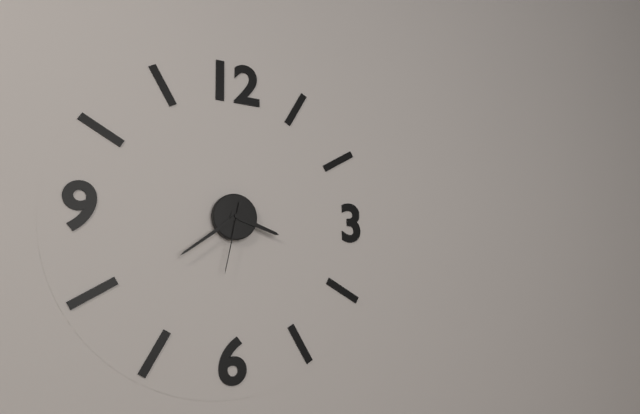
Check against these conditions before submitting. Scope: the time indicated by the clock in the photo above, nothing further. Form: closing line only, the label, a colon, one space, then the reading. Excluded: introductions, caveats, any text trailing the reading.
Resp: 3:39:32
